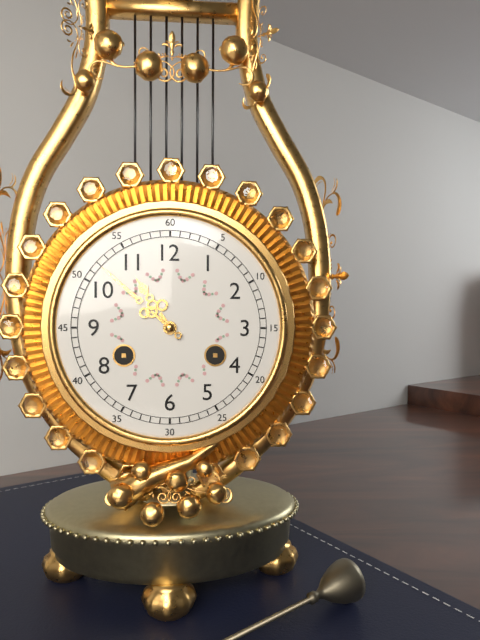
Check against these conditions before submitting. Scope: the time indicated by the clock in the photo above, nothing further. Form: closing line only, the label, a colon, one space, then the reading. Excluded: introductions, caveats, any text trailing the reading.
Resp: 10:52
